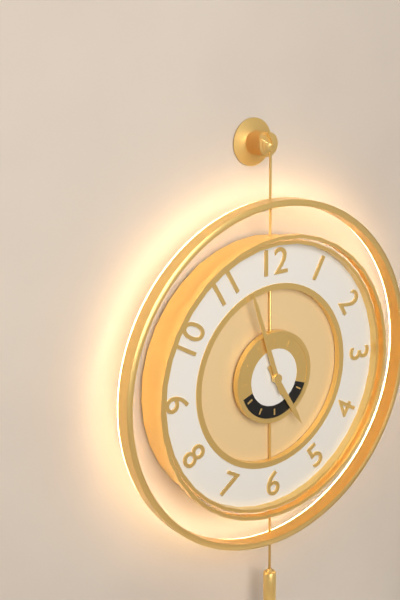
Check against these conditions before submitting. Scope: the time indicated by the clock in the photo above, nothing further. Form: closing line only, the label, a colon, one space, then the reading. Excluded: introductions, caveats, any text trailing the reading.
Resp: 4:57
